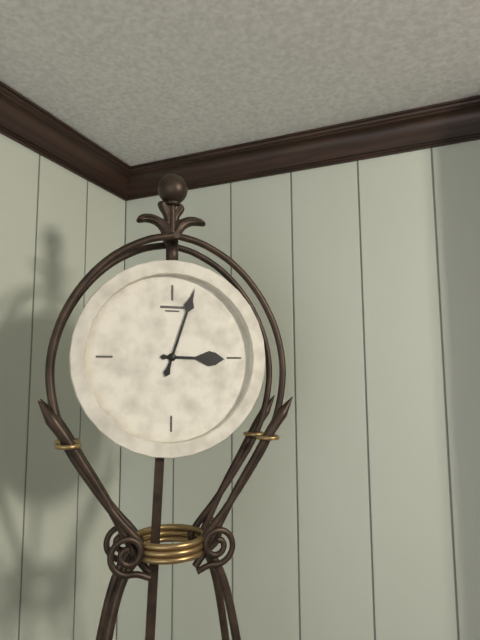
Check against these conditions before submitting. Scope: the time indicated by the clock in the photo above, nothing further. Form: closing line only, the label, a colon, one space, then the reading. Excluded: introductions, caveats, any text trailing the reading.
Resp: 3:03
